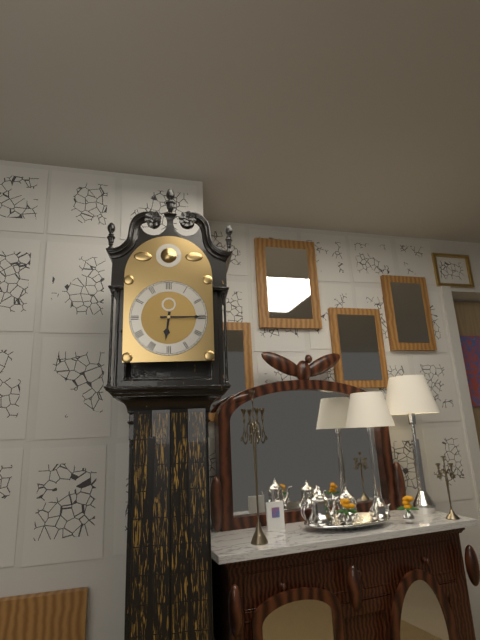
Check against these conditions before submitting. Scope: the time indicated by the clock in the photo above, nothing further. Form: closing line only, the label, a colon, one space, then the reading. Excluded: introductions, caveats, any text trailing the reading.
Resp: 6:15
